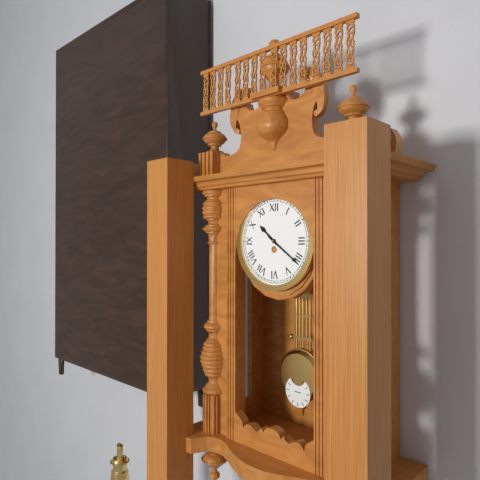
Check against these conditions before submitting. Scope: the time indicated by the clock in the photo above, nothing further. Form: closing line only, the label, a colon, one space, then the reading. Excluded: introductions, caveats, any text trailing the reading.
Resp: 10:21
